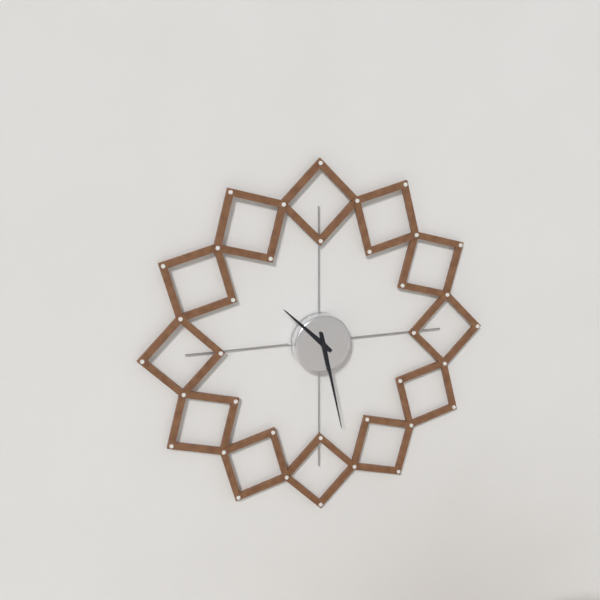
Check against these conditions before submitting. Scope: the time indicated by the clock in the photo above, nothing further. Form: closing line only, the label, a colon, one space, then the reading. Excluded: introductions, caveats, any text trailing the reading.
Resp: 10:28
